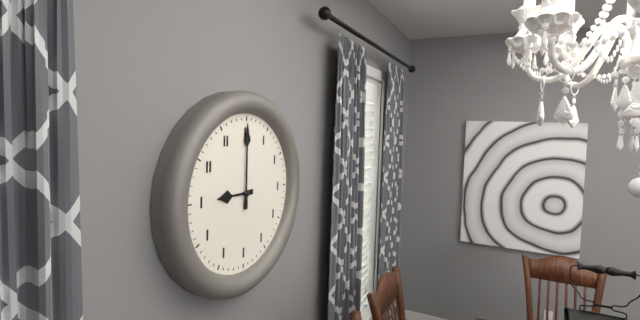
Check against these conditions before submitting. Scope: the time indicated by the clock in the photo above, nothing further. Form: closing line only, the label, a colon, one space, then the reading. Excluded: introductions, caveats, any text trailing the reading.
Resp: 9:00
